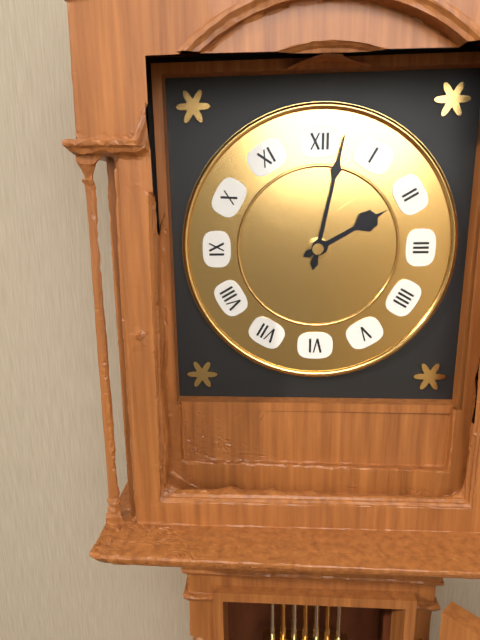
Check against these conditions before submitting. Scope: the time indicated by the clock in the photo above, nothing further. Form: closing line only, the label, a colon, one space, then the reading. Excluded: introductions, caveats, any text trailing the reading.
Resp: 2:02
